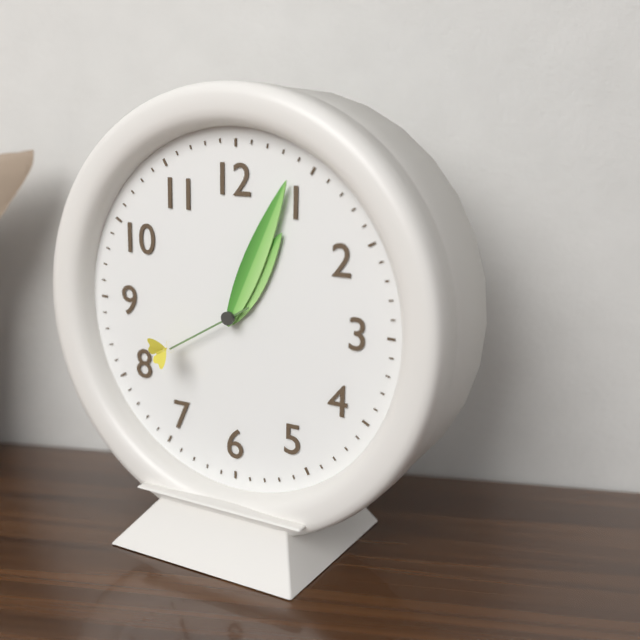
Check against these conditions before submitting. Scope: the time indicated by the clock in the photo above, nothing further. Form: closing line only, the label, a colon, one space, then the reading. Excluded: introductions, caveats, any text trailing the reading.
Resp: 1:04:40
